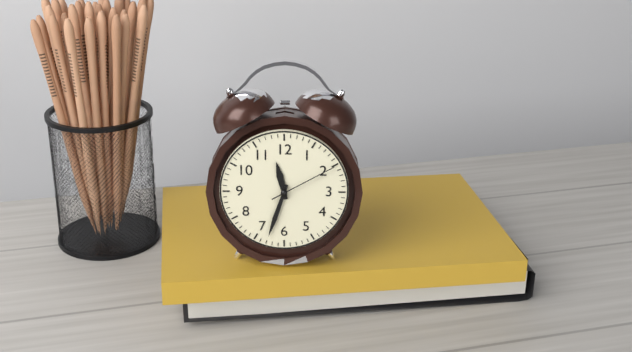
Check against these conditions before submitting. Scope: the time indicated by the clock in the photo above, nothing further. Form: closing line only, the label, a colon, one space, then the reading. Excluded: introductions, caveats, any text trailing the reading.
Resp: 11:33:10
